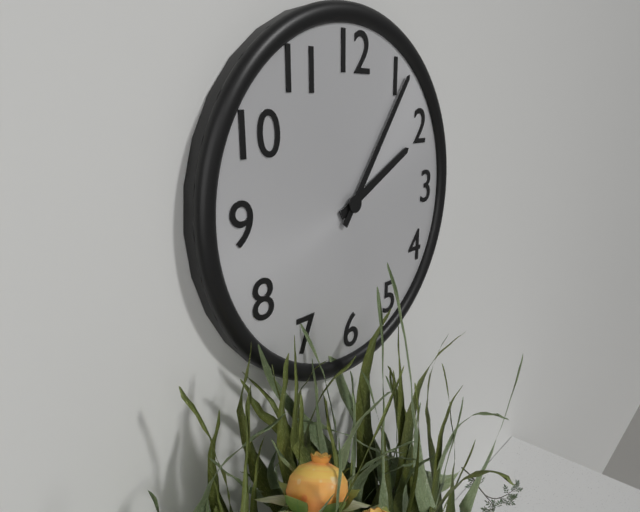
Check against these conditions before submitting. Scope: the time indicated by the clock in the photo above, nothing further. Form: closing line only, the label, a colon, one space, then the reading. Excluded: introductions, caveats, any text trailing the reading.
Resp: 2:06
